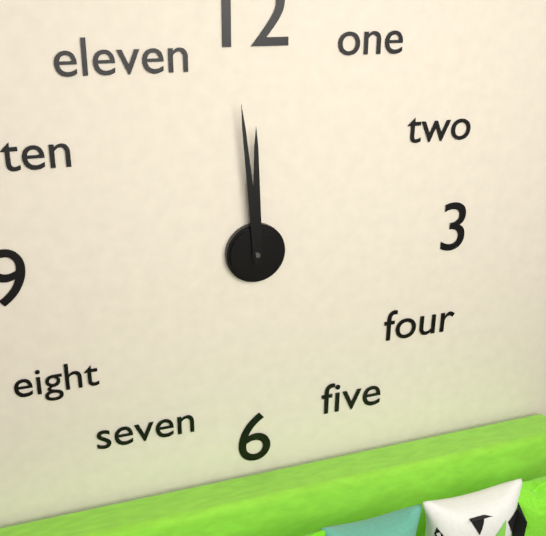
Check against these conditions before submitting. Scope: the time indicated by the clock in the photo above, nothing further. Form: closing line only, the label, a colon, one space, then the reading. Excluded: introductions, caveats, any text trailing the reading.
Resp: 11:59
